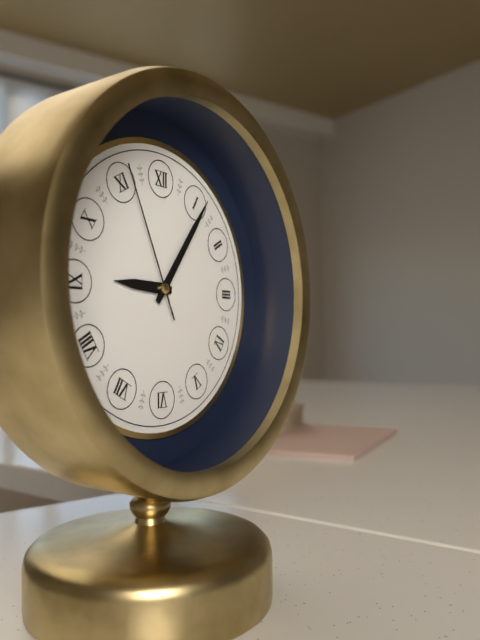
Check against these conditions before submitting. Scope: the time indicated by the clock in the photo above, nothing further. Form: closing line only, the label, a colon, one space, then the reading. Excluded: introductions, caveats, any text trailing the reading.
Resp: 9:06:56
